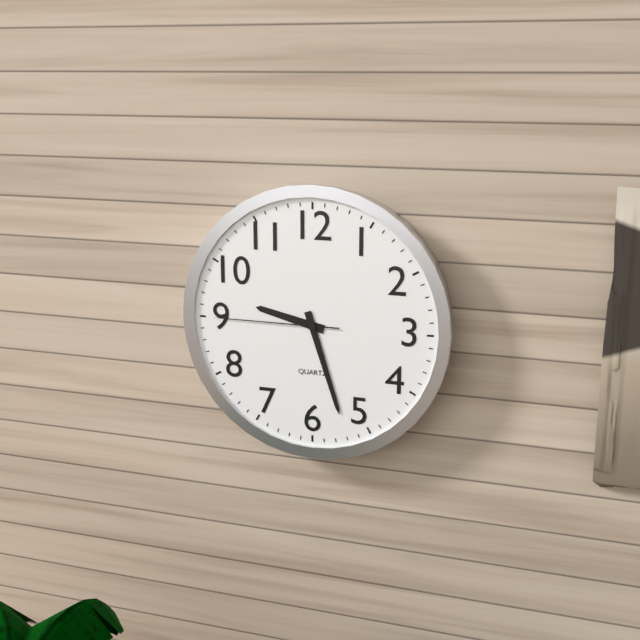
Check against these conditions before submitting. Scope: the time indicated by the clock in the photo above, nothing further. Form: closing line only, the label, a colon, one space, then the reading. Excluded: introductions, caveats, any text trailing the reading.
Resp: 9:27:45
